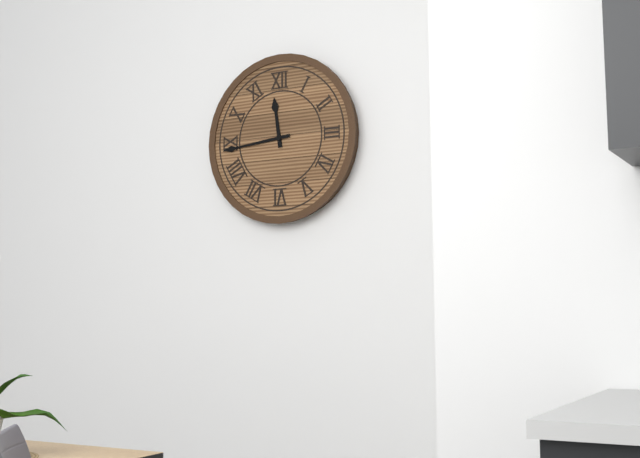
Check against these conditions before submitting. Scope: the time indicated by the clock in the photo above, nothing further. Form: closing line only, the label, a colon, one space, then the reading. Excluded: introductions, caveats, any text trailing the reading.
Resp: 11:44
